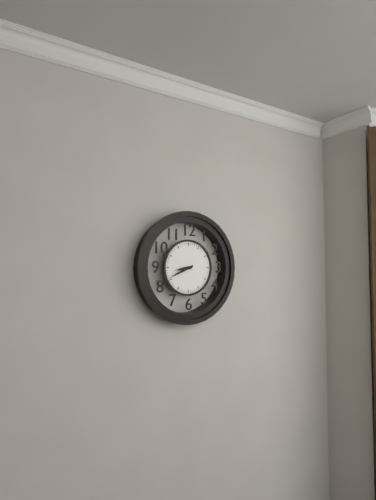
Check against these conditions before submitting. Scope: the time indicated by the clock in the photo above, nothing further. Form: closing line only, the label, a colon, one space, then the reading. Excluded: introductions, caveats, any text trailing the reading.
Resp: 8:41
